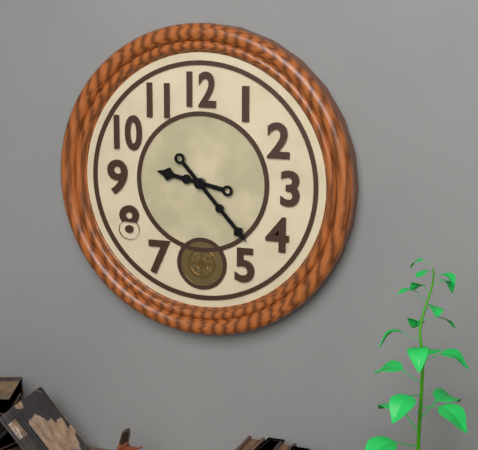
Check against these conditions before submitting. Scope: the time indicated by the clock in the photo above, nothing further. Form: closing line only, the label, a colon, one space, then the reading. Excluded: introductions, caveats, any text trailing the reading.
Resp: 9:23
